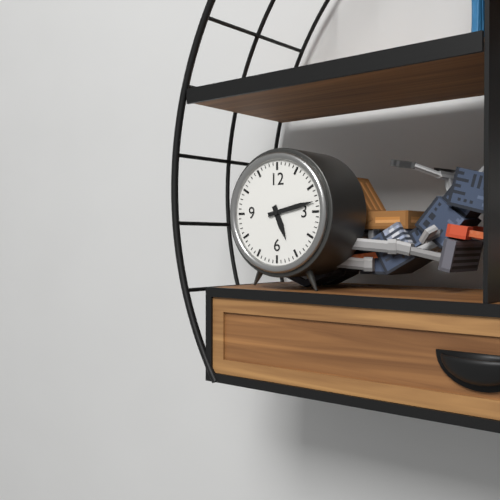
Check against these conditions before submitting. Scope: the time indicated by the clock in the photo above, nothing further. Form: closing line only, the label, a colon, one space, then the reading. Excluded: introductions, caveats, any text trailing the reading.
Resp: 5:13
